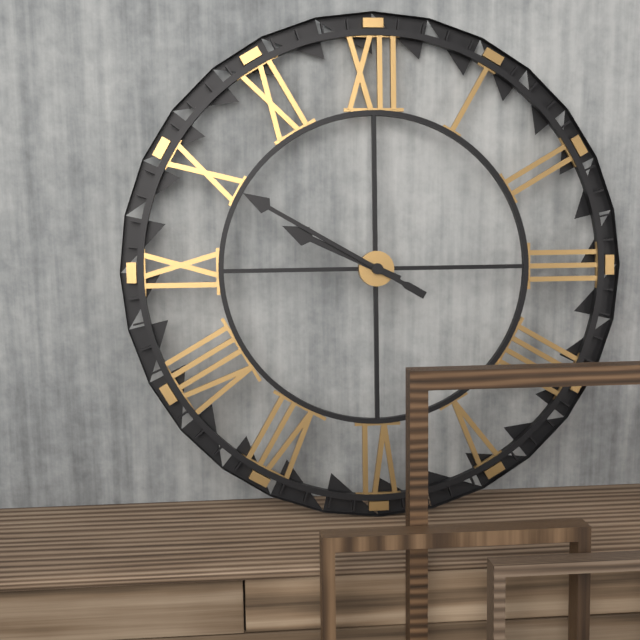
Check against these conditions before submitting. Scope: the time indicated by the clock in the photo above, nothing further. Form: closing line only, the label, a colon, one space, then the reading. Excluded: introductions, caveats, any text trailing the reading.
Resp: 9:50
